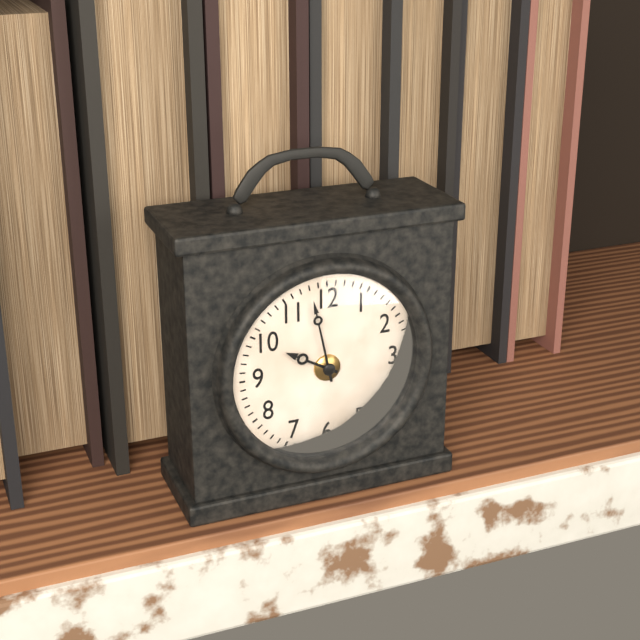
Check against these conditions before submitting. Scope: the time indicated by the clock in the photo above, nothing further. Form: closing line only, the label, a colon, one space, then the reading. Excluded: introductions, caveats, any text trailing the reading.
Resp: 9:58
